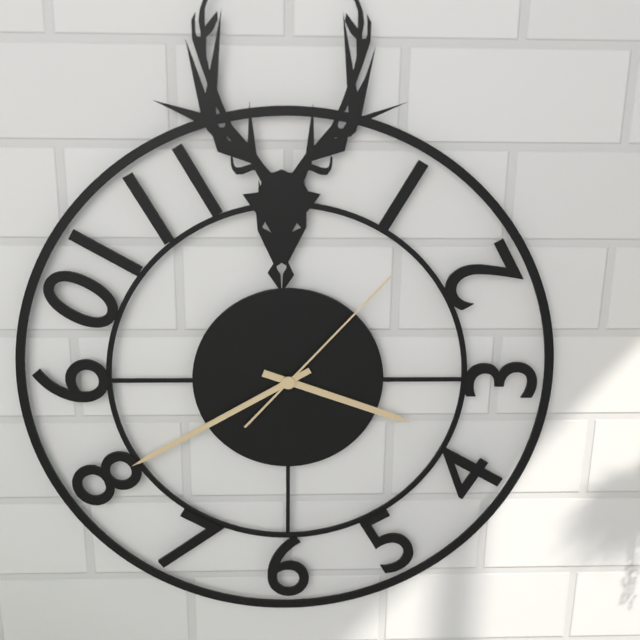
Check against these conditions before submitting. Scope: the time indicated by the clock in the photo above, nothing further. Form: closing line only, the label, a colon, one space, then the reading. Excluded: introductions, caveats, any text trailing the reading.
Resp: 3:40:07
